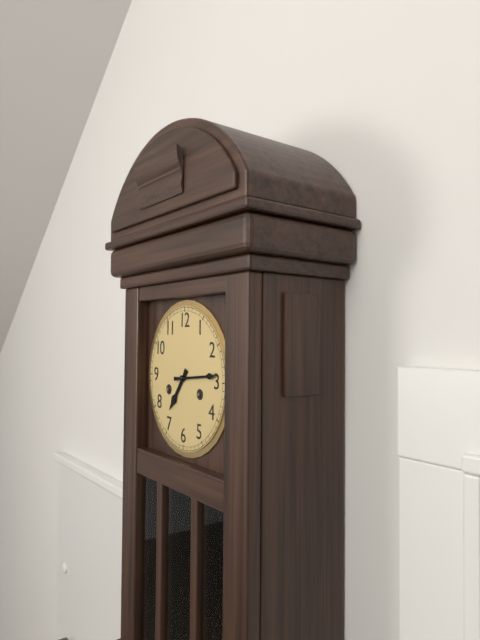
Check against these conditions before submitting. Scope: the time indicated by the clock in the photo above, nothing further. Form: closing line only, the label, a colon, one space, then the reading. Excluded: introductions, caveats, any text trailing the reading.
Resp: 7:14
